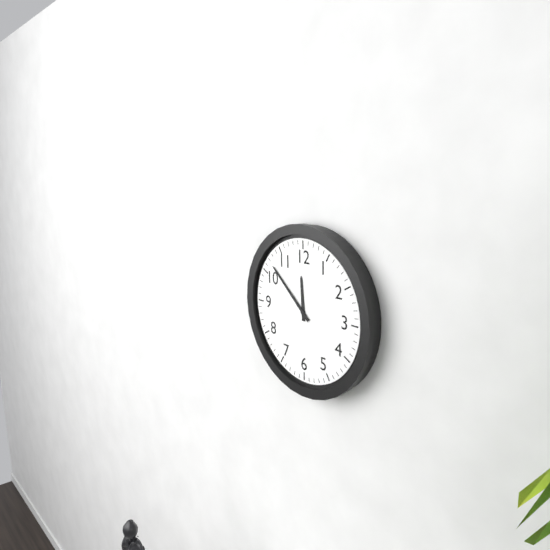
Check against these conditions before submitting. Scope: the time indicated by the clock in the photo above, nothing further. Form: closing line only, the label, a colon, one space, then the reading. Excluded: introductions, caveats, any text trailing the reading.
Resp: 11:52
